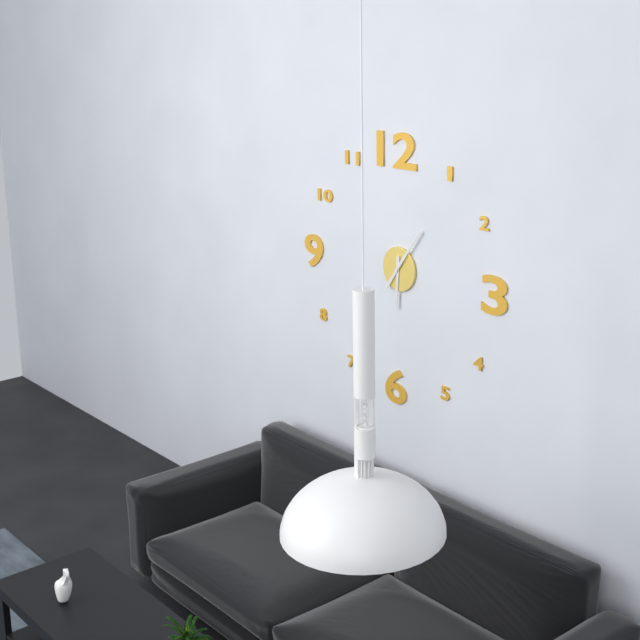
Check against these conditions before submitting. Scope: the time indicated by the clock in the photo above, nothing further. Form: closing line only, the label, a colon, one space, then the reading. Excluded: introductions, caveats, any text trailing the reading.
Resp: 6:06
